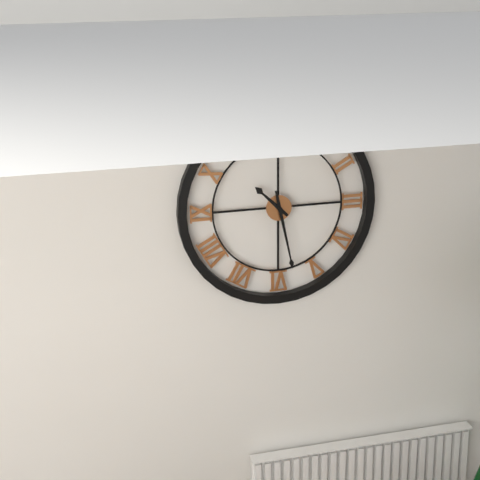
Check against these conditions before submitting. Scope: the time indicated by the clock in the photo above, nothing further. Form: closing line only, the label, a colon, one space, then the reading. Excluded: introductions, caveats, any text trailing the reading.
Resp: 10:28
